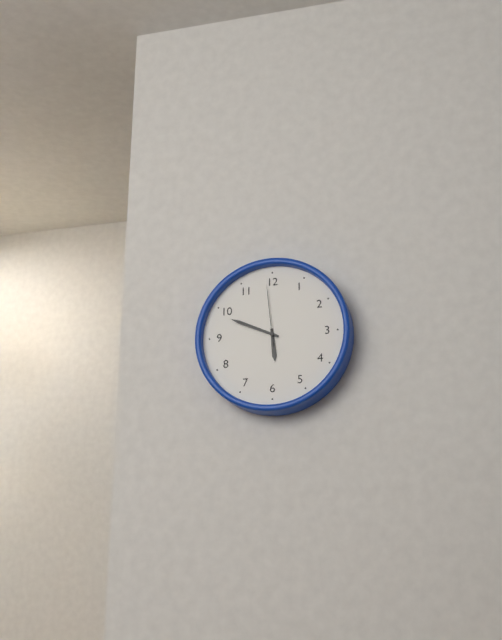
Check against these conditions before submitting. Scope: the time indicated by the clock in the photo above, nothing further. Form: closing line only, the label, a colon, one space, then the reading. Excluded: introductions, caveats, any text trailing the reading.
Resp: 5:49:59
